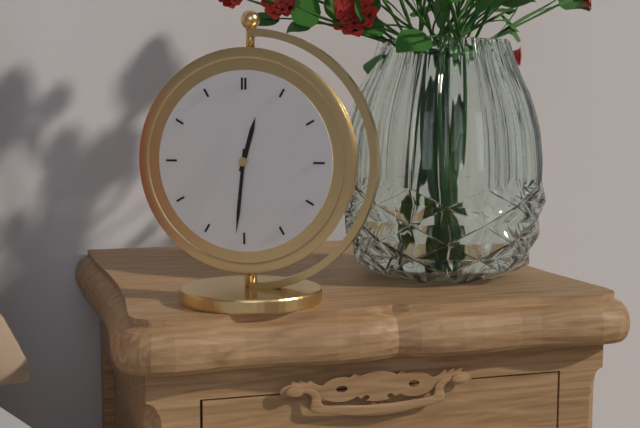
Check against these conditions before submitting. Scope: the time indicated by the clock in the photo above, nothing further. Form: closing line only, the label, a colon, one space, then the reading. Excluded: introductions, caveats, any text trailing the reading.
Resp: 12:31
